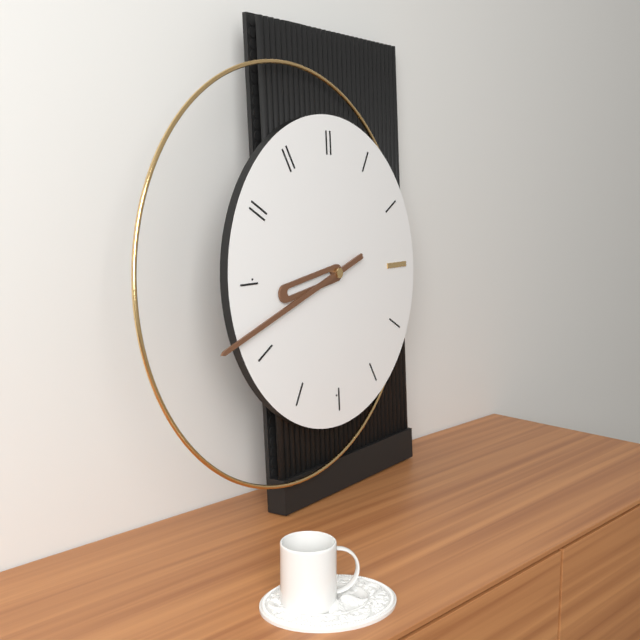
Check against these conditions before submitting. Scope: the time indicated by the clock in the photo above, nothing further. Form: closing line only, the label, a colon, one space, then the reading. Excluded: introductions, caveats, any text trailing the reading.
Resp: 8:42
